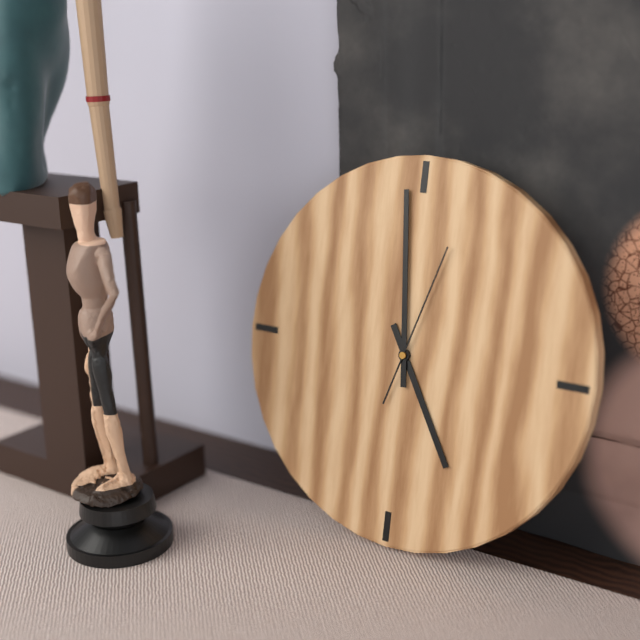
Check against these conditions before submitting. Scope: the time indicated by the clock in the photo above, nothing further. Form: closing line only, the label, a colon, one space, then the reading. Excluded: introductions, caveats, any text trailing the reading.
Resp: 4:59:03
